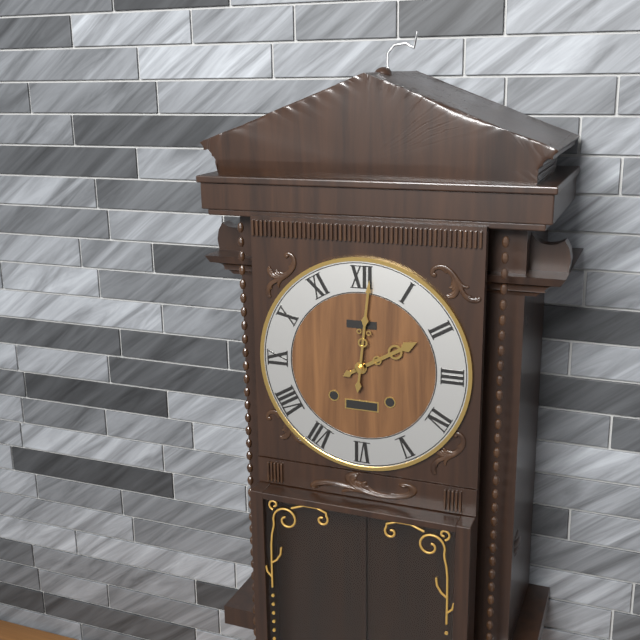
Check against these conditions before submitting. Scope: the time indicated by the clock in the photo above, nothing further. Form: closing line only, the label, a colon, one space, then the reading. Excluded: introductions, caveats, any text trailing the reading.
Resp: 2:01
